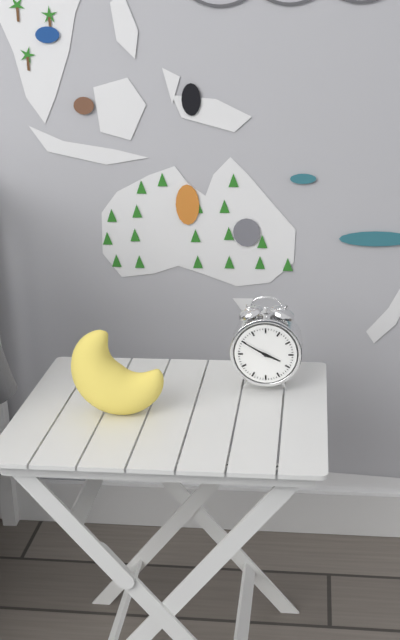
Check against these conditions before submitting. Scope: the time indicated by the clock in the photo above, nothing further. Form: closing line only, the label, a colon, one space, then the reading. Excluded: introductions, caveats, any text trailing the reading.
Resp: 3:50
